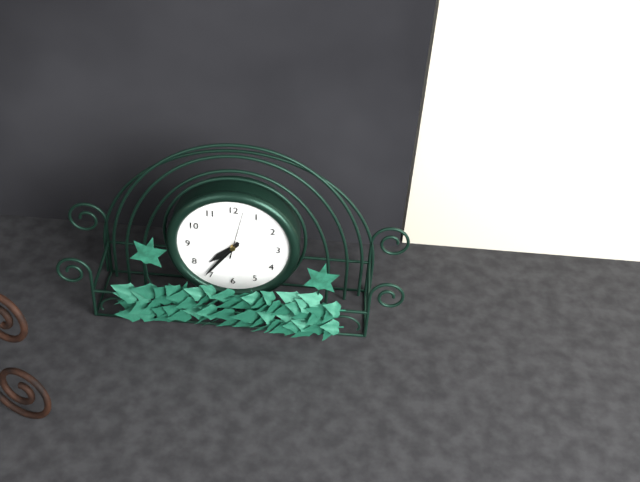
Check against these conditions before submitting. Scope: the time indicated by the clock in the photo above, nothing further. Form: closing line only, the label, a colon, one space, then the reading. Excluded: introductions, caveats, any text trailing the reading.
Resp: 7:36
